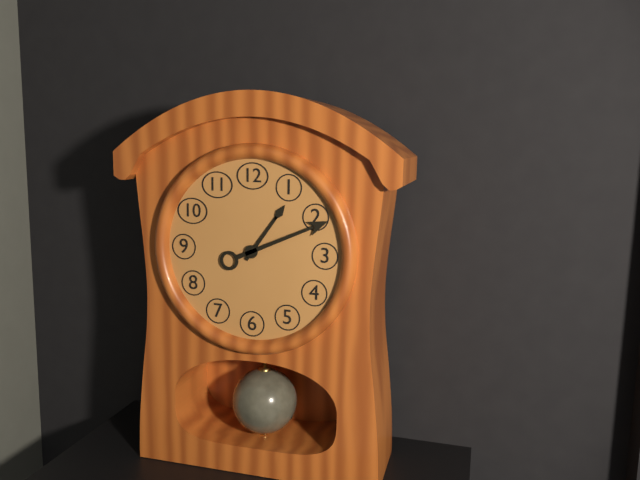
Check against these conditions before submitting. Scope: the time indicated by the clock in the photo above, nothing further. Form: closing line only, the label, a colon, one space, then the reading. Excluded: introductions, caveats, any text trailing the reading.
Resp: 1:11
